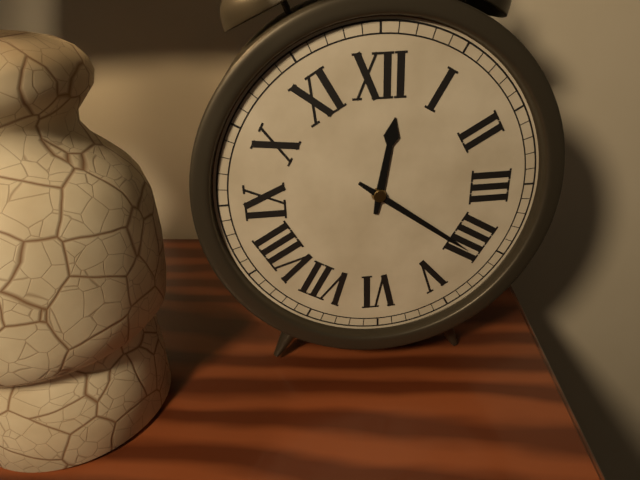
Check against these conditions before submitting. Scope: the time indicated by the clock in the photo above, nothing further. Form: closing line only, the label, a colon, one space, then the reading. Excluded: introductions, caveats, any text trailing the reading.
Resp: 12:21
